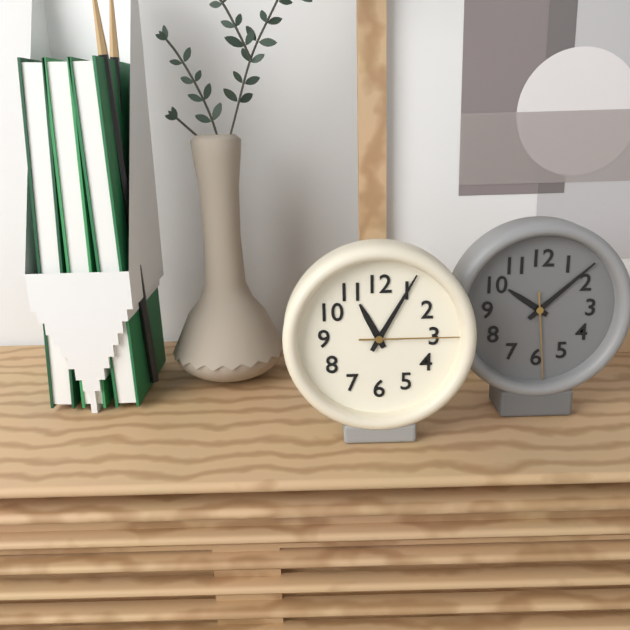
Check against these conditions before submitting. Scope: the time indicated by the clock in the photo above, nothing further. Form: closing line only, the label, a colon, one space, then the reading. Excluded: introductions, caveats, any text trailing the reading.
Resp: 11:05:15
